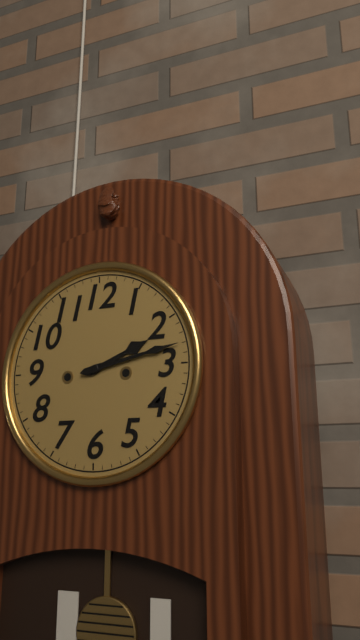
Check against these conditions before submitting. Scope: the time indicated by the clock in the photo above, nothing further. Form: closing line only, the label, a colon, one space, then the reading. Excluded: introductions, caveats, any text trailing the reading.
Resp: 2:13
